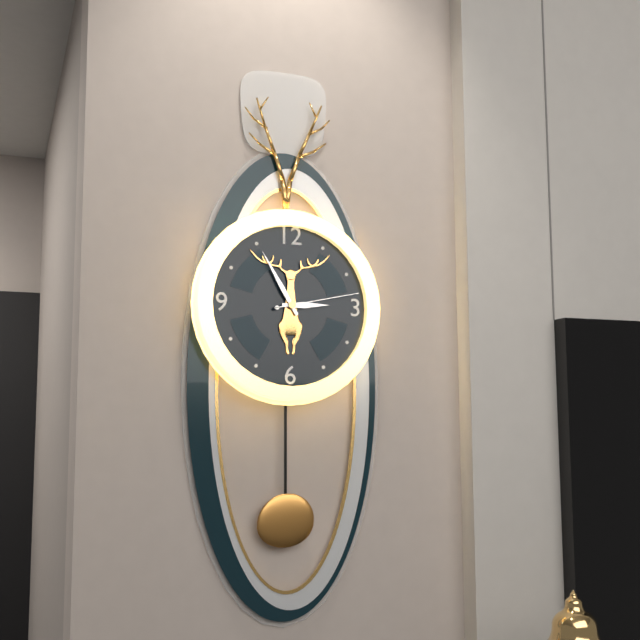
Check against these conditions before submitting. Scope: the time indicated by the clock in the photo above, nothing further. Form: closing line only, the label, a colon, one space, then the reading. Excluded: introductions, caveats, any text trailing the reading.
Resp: 2:55:13
